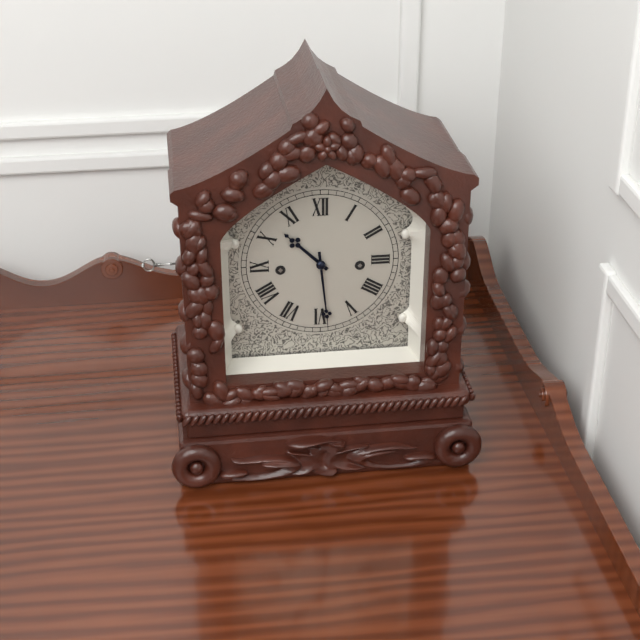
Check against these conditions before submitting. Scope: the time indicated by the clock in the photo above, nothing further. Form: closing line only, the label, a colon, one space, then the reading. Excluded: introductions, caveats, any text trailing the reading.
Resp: 10:29
